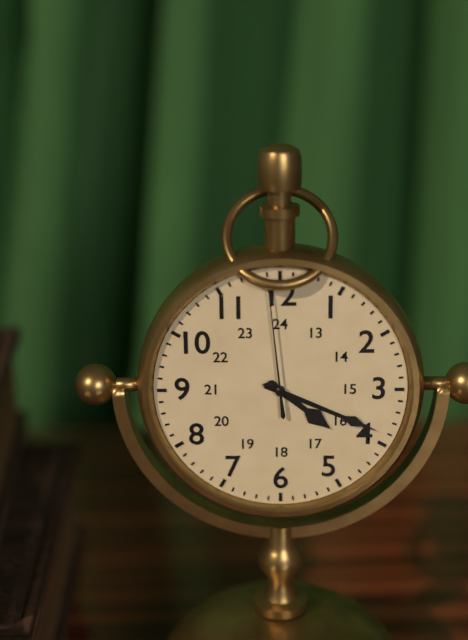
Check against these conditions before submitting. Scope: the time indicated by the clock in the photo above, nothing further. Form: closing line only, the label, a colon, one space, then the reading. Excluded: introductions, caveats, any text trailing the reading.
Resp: 4:19:59
